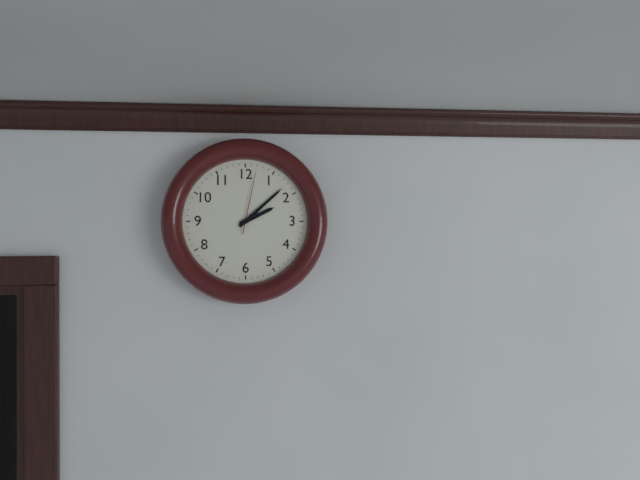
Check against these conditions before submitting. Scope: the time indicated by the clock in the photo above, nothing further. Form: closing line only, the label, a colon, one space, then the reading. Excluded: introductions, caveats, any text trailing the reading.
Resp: 2:08:02
